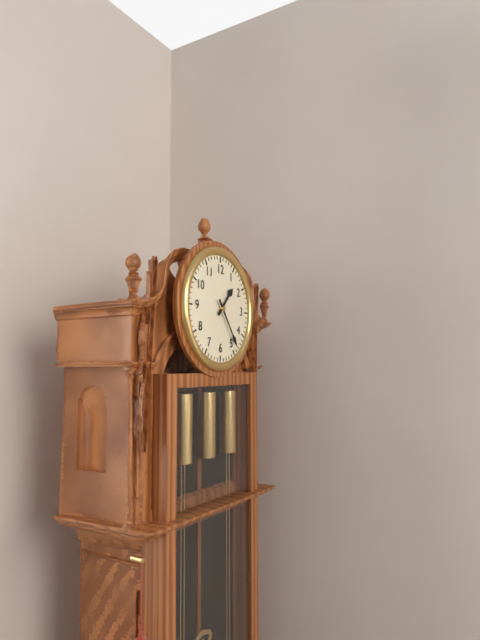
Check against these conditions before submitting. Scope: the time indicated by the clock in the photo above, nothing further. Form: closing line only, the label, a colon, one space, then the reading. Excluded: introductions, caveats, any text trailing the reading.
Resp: 1:24
